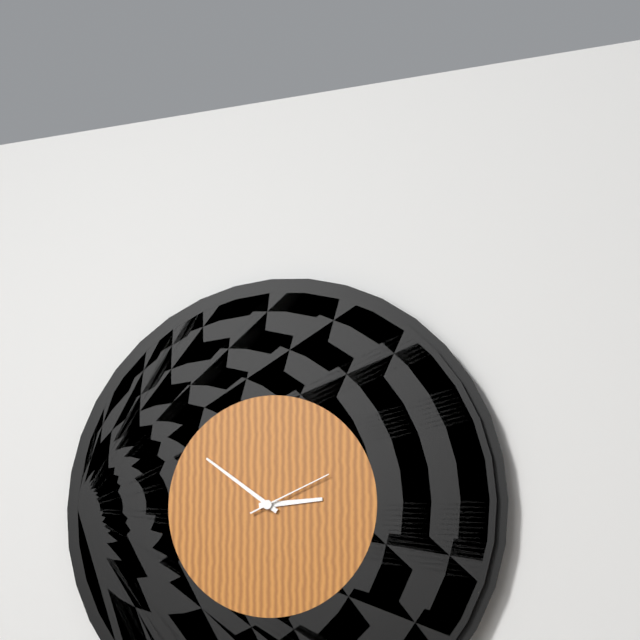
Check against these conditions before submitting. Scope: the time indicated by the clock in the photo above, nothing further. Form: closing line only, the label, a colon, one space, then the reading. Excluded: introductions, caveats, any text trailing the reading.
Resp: 2:51:11
